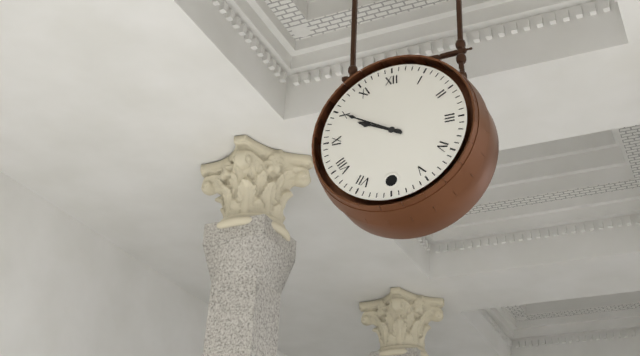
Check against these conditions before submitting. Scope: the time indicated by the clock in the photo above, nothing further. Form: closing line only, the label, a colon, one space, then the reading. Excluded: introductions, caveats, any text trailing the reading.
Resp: 9:50
